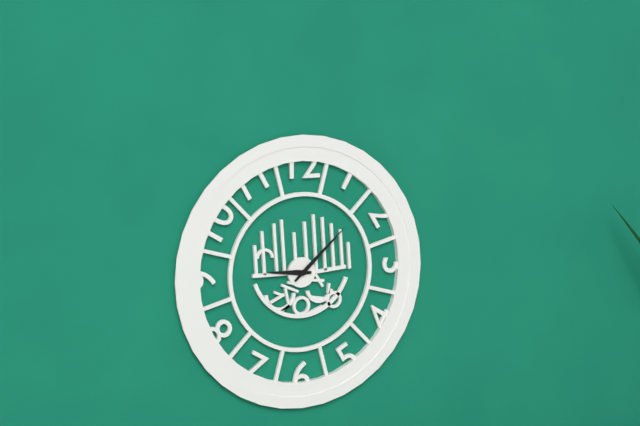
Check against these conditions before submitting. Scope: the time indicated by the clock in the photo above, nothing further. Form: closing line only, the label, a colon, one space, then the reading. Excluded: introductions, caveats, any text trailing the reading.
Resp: 9:08
